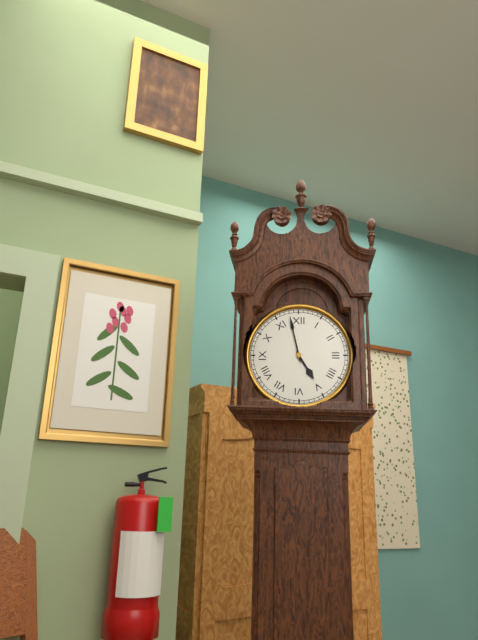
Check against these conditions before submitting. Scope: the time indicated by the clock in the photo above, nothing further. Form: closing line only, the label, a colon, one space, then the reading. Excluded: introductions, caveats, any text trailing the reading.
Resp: 4:58
